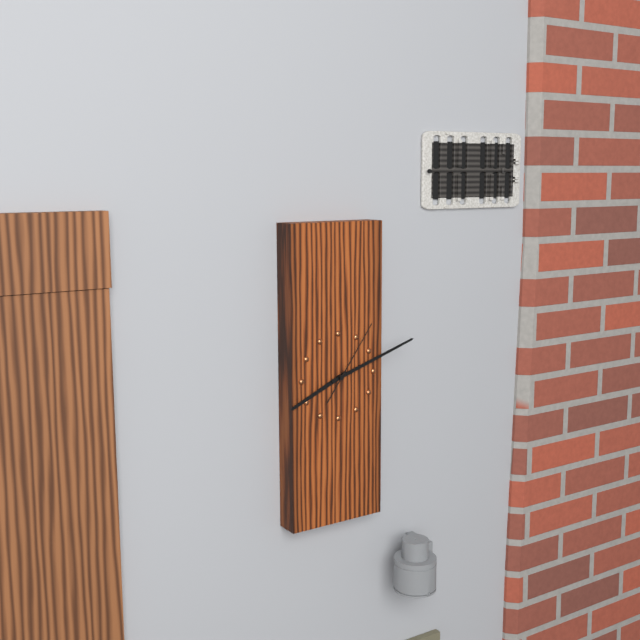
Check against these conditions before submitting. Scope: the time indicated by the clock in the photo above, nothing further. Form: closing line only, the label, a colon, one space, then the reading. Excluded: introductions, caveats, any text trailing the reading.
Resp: 8:12:06
